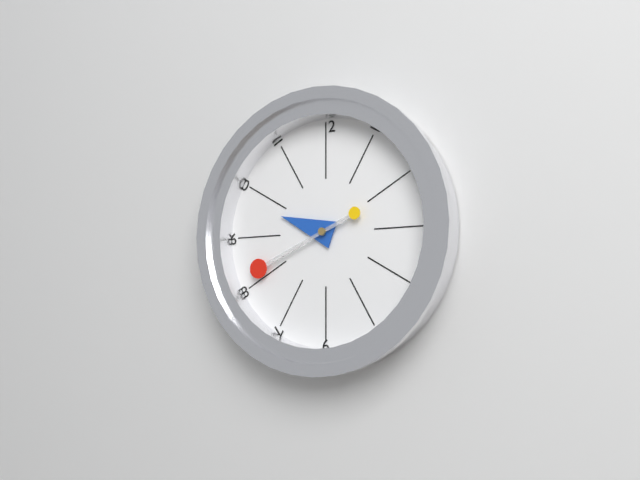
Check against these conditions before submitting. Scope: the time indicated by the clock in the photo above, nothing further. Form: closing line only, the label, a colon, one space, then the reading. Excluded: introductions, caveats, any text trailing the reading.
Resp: 9:41
